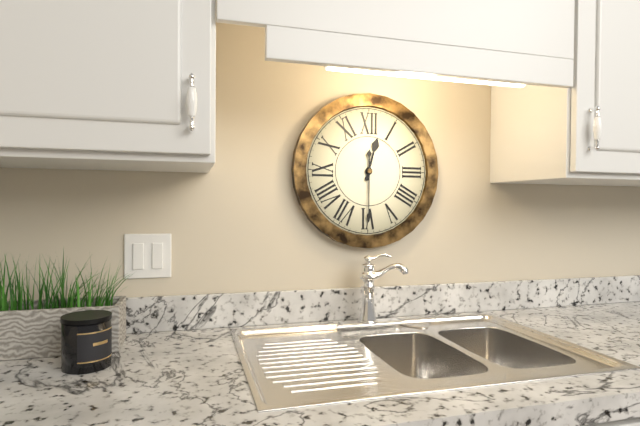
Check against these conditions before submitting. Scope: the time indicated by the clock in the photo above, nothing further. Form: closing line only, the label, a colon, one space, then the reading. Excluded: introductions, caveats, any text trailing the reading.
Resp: 12:30
